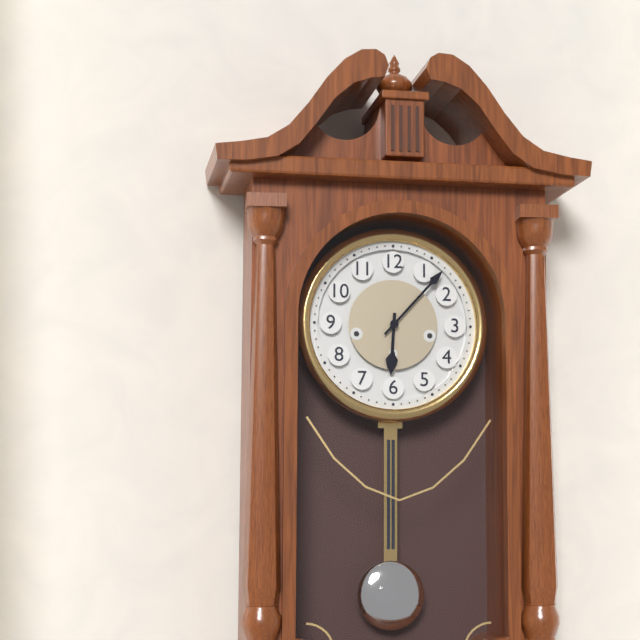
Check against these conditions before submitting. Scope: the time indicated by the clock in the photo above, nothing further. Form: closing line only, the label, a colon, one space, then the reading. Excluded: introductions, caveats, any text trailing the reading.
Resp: 6:07
